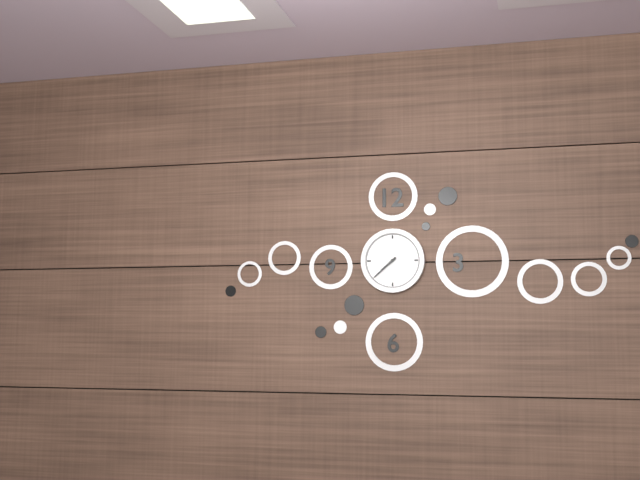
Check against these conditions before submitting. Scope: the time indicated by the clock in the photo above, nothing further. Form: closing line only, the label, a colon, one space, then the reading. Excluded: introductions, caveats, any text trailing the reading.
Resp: 7:38
